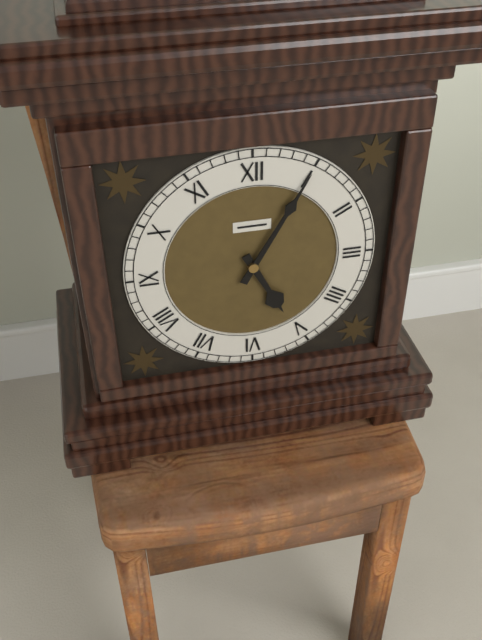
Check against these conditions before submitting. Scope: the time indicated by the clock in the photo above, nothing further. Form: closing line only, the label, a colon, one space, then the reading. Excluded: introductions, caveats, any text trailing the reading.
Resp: 5:05
